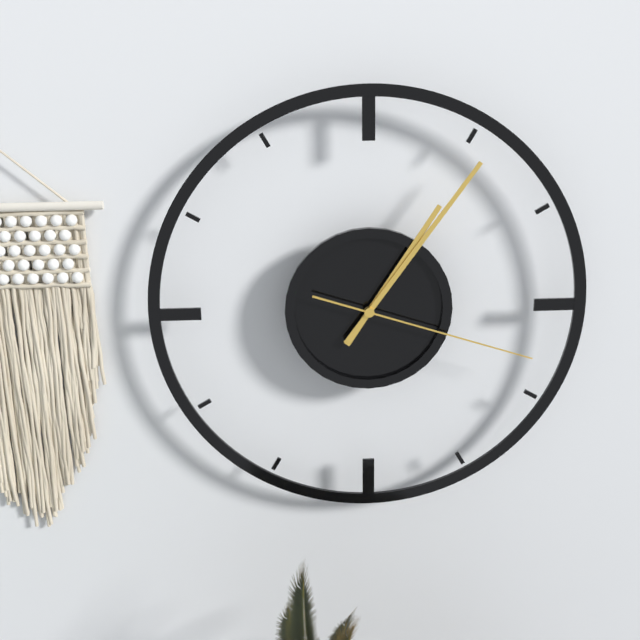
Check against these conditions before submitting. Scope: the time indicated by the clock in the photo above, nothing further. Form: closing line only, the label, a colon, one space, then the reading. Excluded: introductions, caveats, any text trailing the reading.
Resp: 1:06:18
